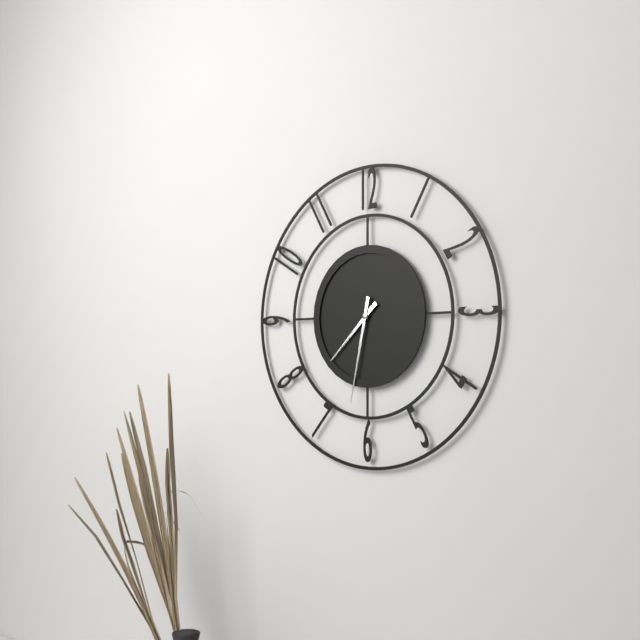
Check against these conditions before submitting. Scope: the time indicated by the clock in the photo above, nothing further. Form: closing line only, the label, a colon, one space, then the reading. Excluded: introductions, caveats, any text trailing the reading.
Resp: 7:32
